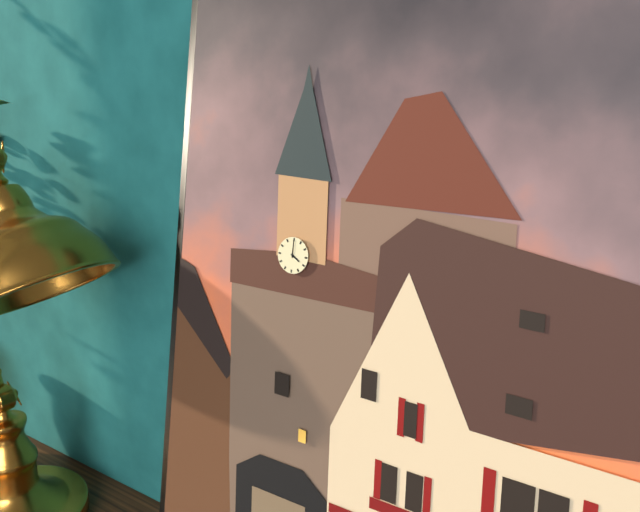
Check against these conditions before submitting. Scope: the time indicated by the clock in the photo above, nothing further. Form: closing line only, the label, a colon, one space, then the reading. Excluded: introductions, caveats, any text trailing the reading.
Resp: 4:00
